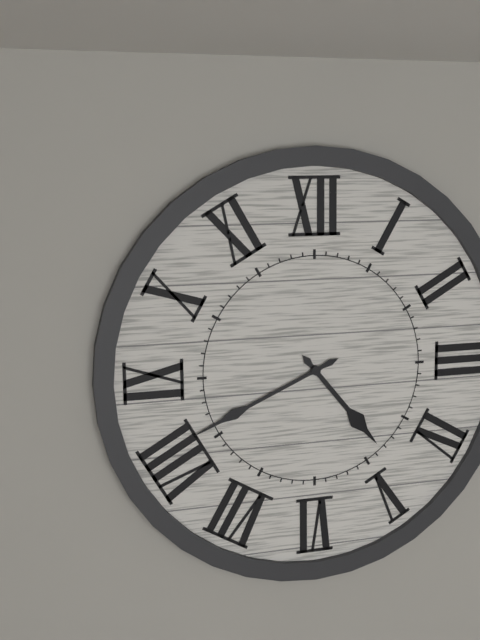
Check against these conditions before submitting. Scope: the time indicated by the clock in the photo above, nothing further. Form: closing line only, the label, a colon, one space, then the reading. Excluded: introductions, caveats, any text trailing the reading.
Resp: 4:41
